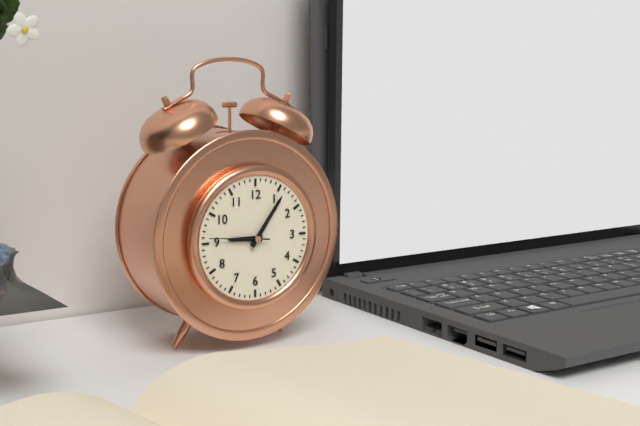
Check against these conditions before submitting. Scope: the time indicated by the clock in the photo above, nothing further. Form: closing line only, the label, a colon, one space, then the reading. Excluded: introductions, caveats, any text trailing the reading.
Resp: 9:06:46
